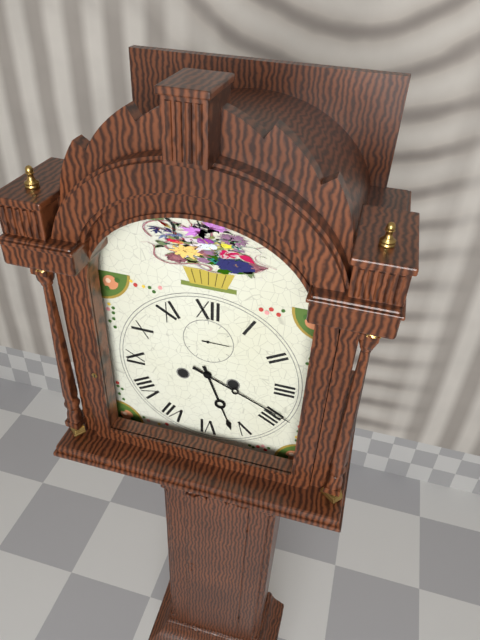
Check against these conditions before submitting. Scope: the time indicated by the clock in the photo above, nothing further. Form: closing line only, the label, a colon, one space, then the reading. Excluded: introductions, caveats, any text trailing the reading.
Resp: 5:19
